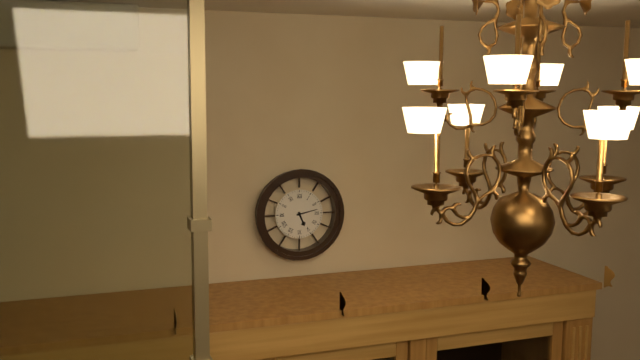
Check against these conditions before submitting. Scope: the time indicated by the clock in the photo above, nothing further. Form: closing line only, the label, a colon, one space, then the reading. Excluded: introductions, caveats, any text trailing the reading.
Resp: 5:13
